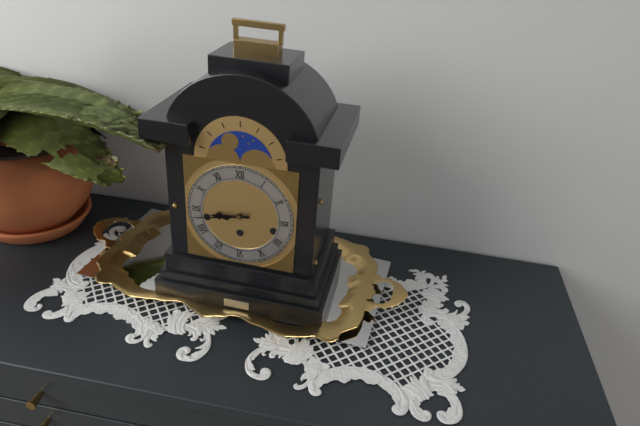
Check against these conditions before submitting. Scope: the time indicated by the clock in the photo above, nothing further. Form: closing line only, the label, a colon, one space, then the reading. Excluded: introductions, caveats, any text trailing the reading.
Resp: 8:43
